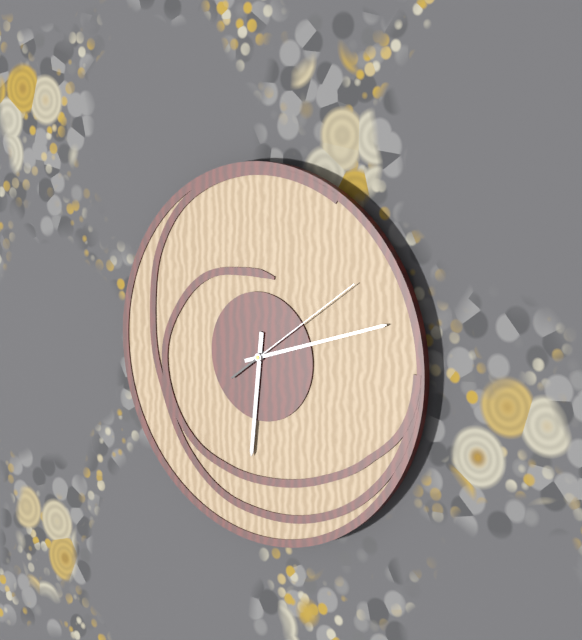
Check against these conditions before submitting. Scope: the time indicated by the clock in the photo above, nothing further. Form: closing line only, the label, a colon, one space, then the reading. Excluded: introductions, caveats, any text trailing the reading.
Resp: 6:12:09
